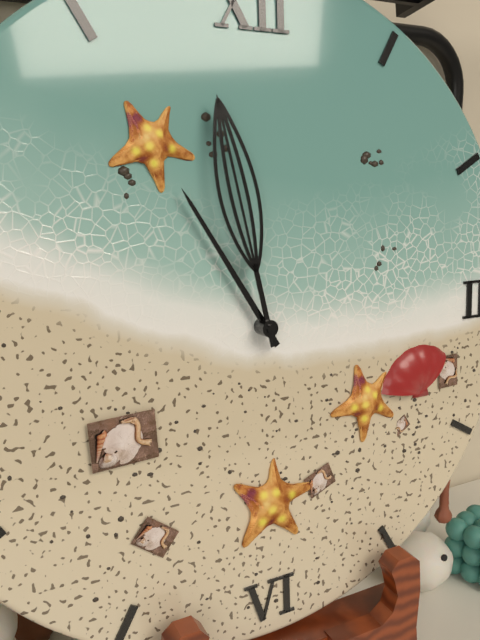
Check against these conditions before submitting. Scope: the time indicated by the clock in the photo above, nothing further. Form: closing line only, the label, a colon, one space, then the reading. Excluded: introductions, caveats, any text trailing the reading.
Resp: 10:58
